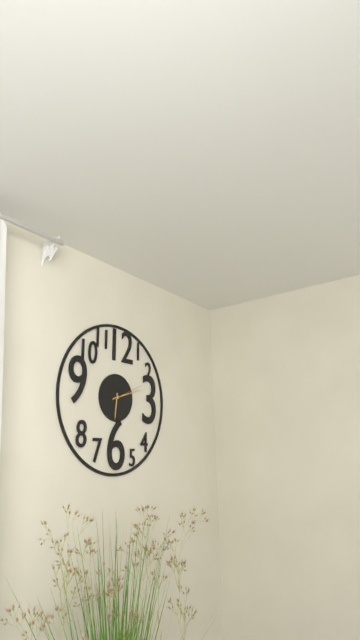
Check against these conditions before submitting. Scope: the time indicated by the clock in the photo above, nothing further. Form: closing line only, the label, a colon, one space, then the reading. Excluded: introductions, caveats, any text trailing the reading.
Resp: 6:12
